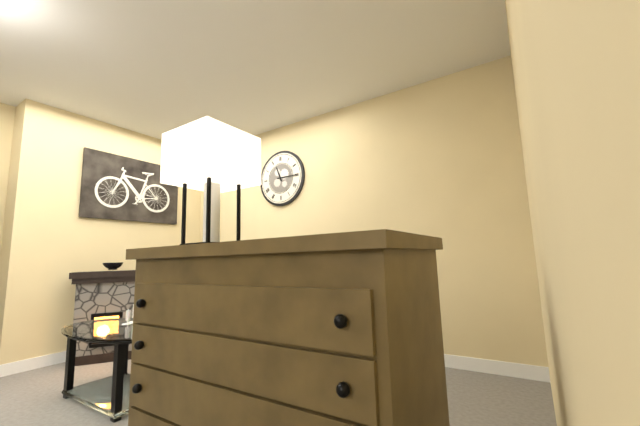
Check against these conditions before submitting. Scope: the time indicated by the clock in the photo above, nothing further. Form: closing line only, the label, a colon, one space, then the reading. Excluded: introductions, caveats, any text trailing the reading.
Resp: 11:15
